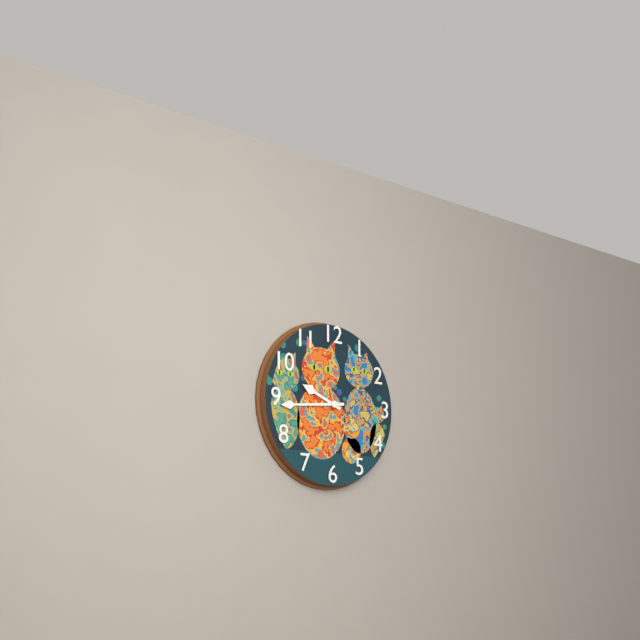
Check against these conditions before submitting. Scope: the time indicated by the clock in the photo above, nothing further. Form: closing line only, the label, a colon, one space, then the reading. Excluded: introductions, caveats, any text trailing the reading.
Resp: 9:44
